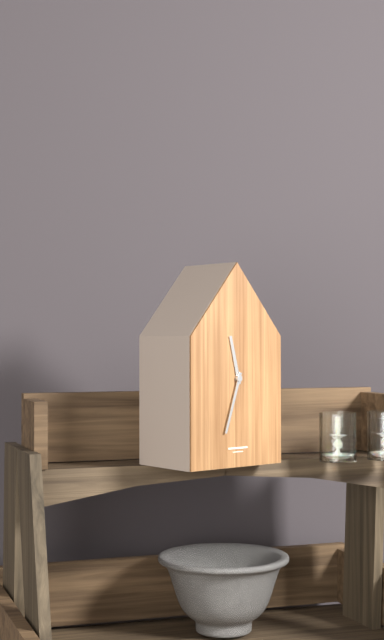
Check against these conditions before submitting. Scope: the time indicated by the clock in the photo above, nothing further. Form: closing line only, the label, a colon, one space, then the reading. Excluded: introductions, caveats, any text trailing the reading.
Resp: 11:33
